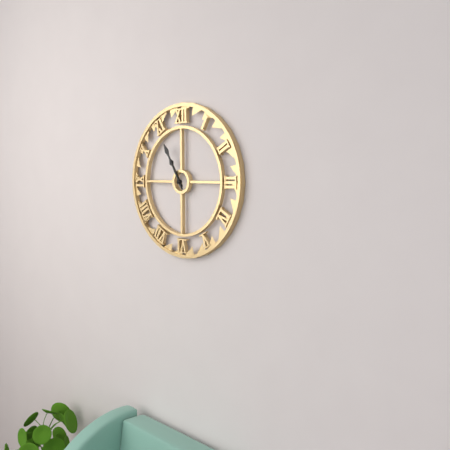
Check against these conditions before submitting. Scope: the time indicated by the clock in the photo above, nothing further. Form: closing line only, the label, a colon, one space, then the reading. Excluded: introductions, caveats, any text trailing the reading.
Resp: 10:55
